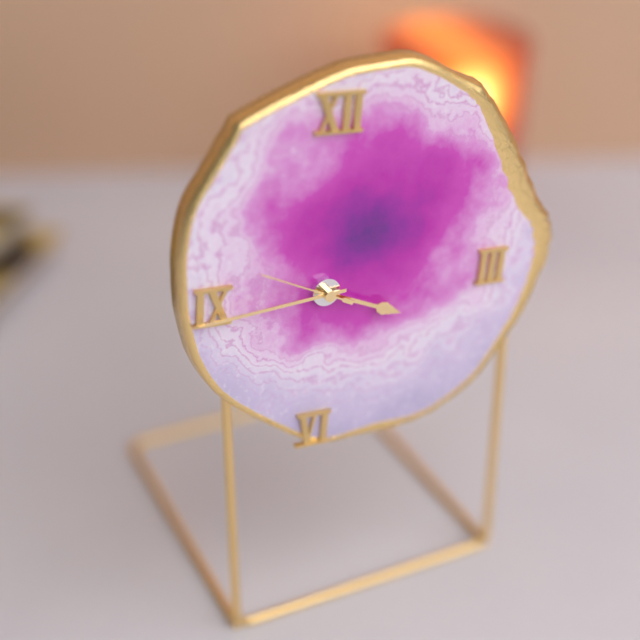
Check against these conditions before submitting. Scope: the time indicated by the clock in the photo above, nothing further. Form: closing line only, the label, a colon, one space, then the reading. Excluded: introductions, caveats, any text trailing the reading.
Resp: 3:44:49
